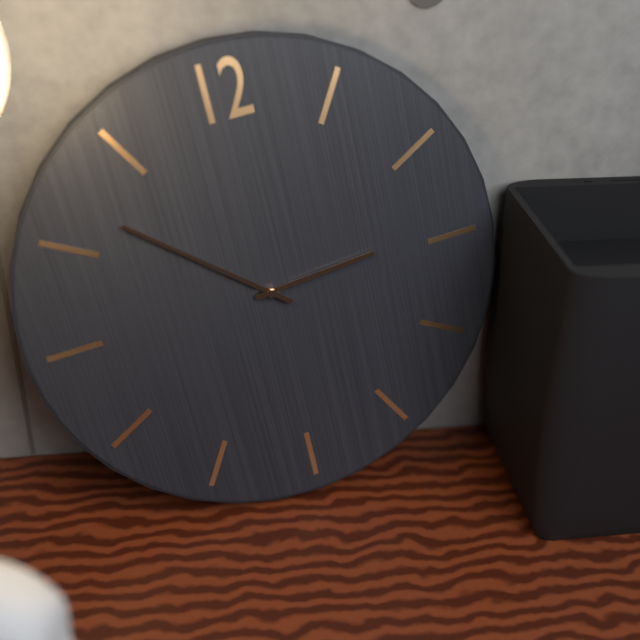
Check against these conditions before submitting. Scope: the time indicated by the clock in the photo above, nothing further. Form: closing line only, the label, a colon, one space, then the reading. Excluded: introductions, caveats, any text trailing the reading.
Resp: 2:52
